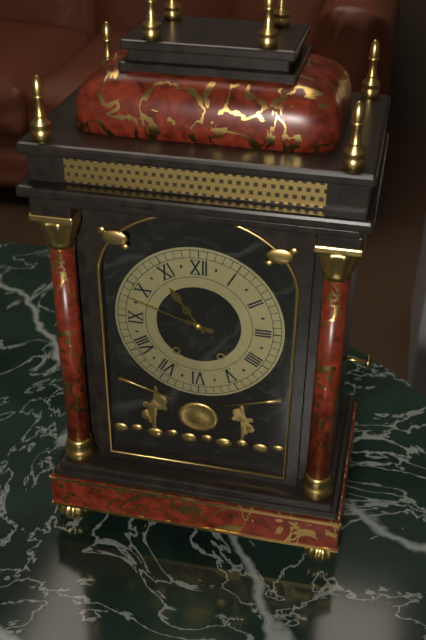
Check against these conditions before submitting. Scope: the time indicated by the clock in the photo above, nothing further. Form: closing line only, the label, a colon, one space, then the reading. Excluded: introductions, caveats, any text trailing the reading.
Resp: 10:48
